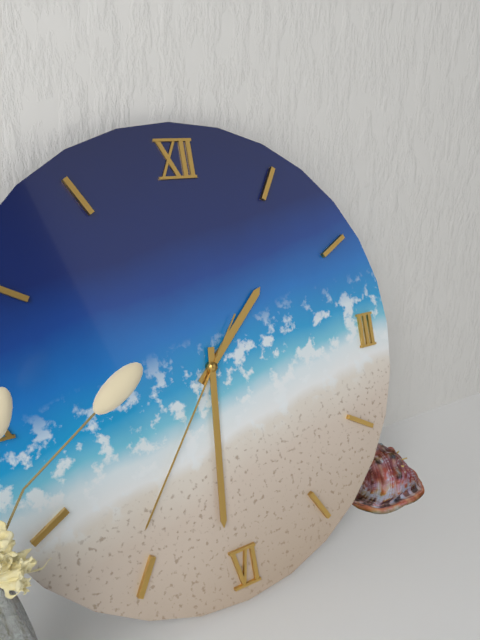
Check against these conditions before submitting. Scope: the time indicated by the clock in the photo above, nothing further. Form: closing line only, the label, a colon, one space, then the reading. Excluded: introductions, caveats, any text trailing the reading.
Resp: 1:31:36
